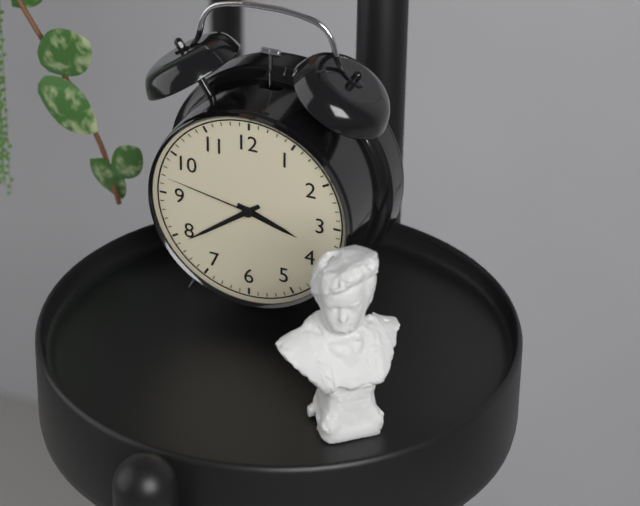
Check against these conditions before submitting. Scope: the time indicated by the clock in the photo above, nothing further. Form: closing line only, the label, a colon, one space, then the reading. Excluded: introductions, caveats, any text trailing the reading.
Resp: 3:39:47
